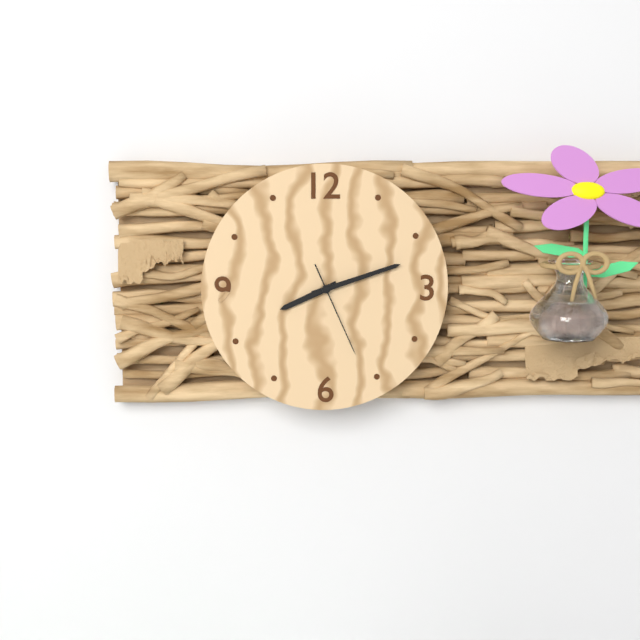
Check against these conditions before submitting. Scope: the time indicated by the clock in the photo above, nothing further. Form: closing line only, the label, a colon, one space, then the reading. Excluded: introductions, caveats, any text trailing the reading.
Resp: 8:12:26
